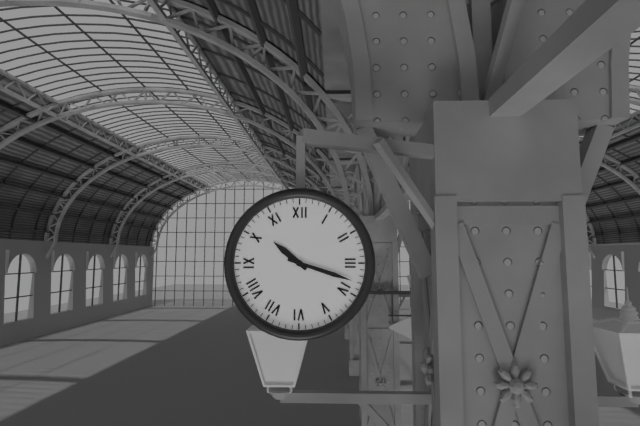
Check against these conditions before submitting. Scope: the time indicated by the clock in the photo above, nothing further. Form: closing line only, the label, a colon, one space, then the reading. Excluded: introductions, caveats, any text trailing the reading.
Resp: 10:18
